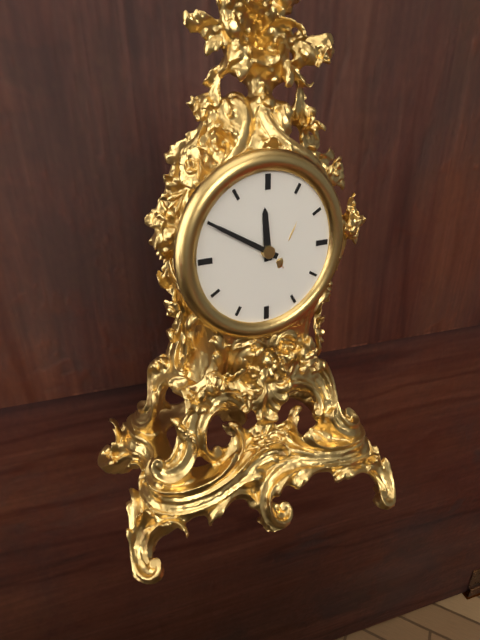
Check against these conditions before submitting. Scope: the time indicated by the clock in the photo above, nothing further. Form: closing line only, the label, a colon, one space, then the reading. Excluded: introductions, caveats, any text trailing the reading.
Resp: 11:50
